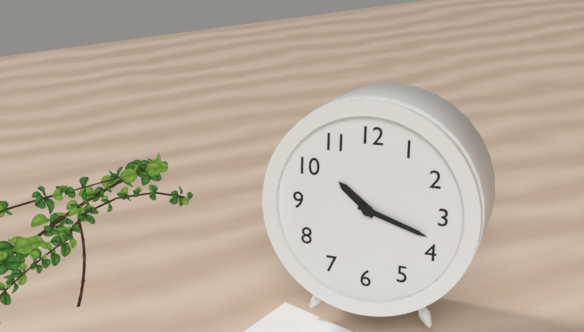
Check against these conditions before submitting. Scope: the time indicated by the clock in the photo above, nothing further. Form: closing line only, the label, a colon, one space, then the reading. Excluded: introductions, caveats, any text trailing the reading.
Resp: 10:18
